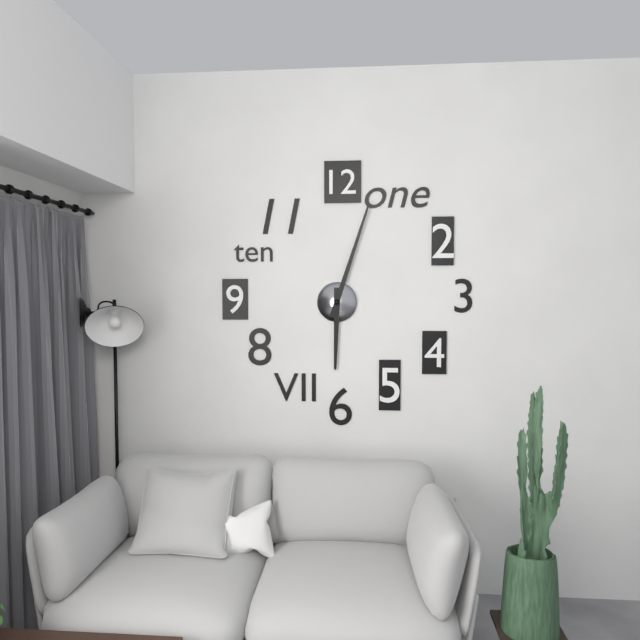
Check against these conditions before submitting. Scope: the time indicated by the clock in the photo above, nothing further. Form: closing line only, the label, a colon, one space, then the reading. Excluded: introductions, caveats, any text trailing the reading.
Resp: 6:03
